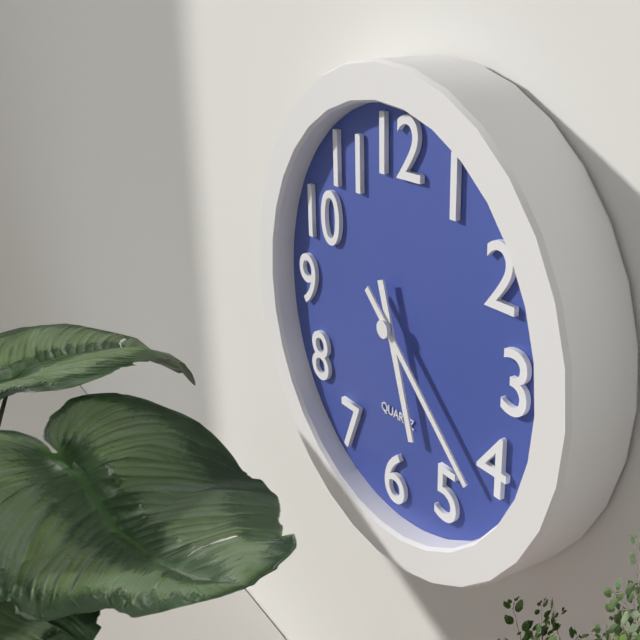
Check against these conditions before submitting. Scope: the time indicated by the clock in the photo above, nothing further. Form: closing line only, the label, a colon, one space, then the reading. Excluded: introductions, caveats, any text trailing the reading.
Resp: 5:22
